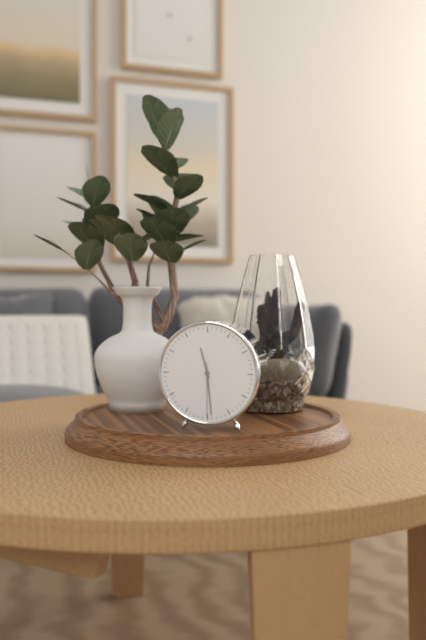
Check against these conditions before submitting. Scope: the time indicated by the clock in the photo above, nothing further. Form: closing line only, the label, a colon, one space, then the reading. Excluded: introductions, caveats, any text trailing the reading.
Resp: 11:29:30
